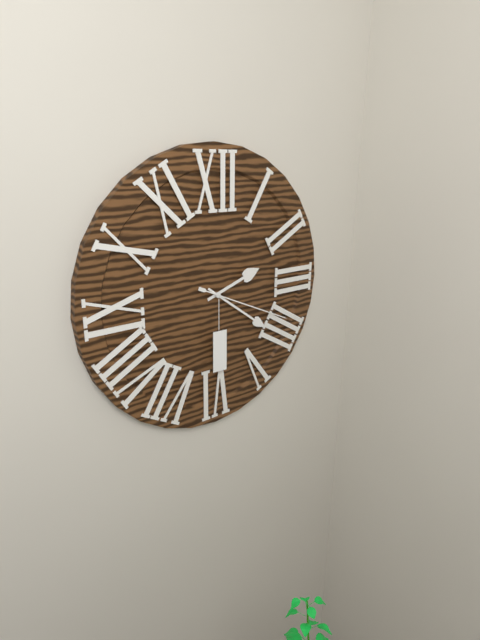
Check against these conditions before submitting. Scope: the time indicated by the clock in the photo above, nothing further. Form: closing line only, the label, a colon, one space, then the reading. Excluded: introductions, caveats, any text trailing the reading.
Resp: 2:21:19
